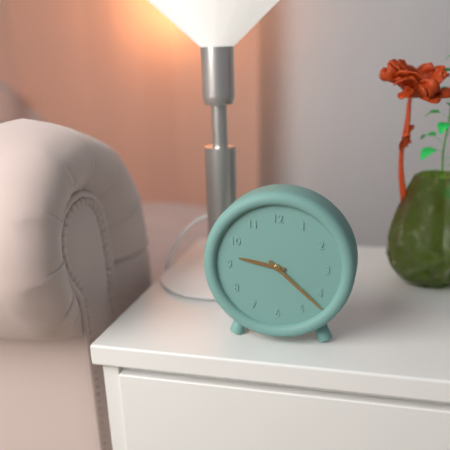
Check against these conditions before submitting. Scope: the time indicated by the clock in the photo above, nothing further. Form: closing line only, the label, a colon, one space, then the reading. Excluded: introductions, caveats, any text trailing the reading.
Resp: 9:22
